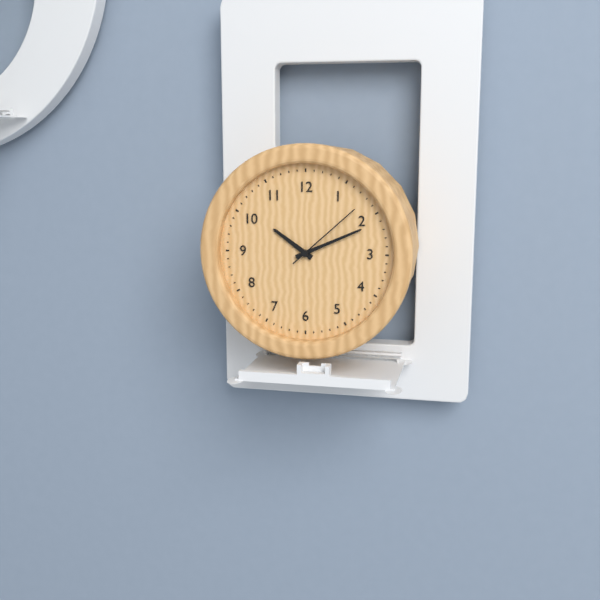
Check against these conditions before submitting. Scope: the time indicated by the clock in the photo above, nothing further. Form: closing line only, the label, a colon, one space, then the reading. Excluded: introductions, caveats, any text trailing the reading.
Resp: 10:11:08
